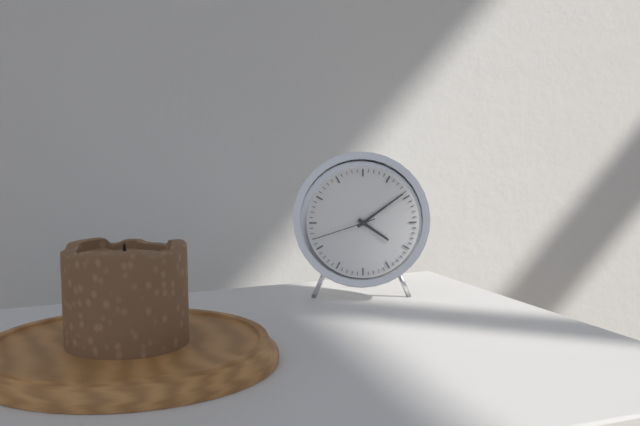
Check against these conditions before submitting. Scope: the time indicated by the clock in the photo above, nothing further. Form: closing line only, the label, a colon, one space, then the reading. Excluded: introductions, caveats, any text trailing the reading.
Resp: 4:09:42
